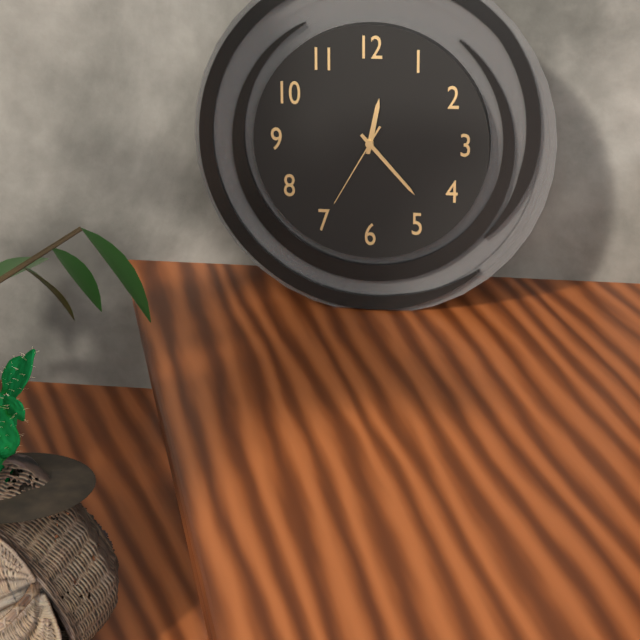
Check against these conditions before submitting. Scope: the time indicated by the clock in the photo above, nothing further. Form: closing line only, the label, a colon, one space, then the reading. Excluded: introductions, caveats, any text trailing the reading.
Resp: 12:23:35
